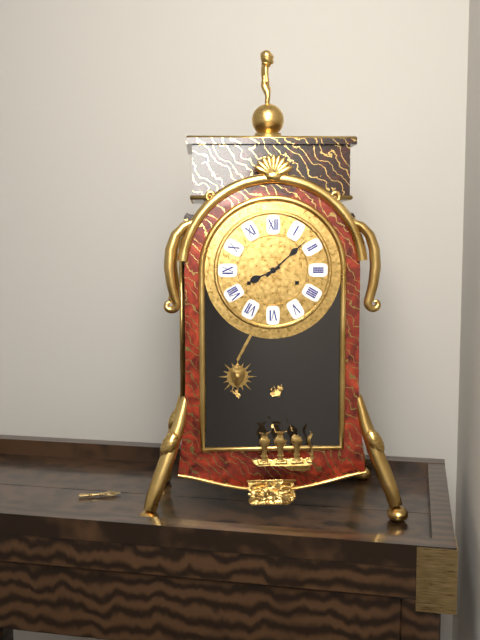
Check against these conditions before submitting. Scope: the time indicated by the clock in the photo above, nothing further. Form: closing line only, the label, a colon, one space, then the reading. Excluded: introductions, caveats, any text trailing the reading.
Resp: 8:08
